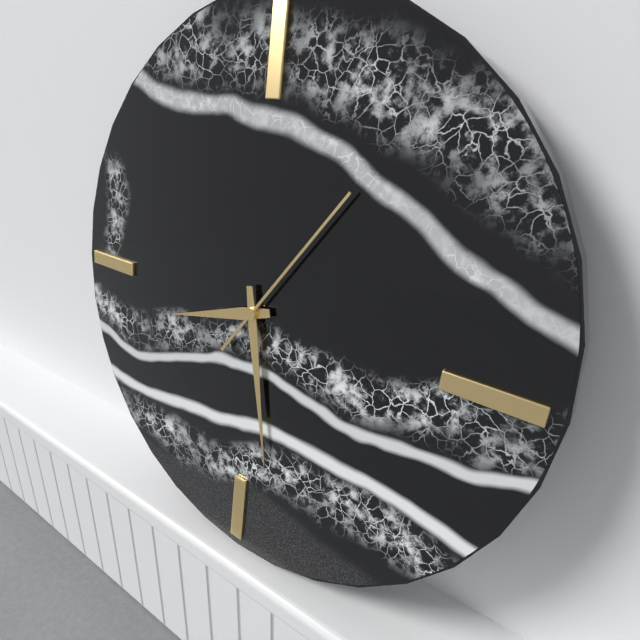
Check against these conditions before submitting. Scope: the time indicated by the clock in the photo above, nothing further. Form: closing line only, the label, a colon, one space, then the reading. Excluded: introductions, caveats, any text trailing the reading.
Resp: 8:28:06
